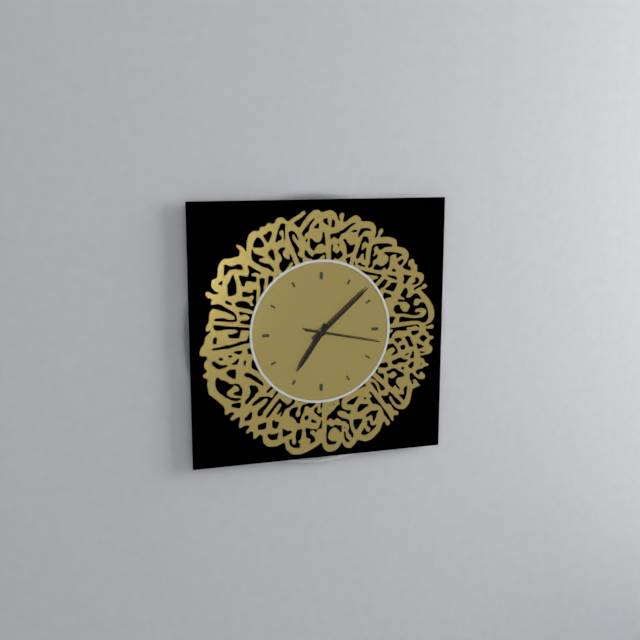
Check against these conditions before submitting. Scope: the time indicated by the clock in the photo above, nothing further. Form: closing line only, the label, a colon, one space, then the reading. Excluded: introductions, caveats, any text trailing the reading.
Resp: 7:08:17
